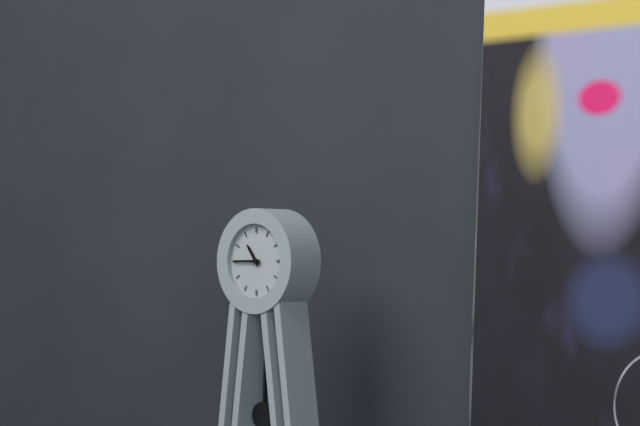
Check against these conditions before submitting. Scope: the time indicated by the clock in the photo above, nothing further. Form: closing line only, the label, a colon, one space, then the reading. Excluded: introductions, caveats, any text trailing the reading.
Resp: 10:45
